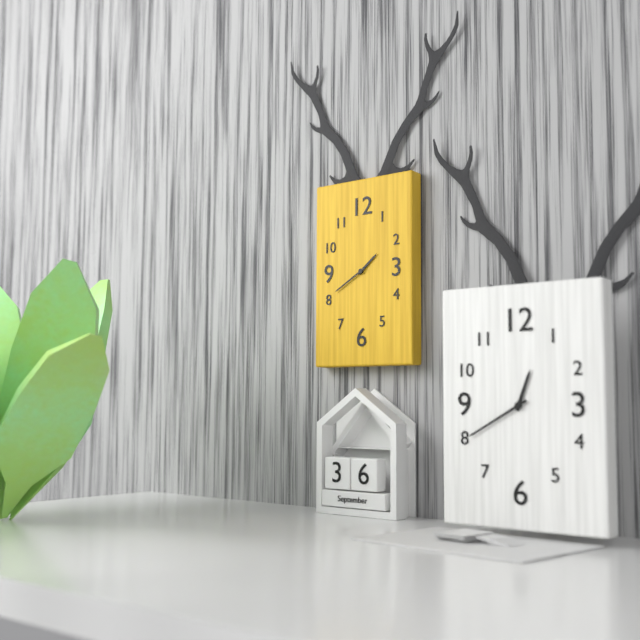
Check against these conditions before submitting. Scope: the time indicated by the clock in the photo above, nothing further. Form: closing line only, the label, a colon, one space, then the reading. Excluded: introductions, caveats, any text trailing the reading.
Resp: 1:40
